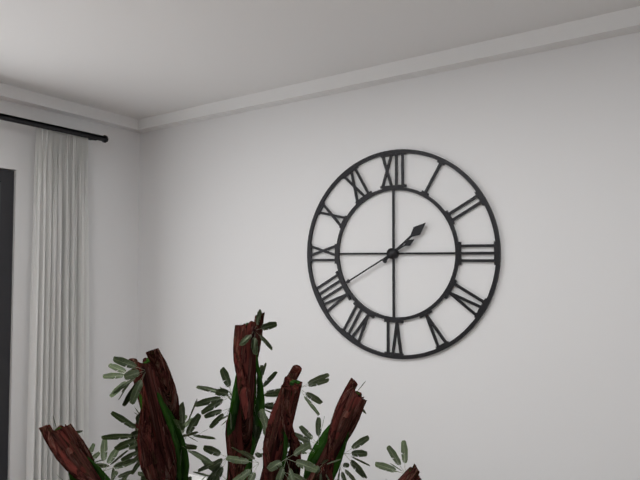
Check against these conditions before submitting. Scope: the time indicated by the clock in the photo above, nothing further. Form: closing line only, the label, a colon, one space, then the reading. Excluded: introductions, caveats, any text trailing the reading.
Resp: 1:40
